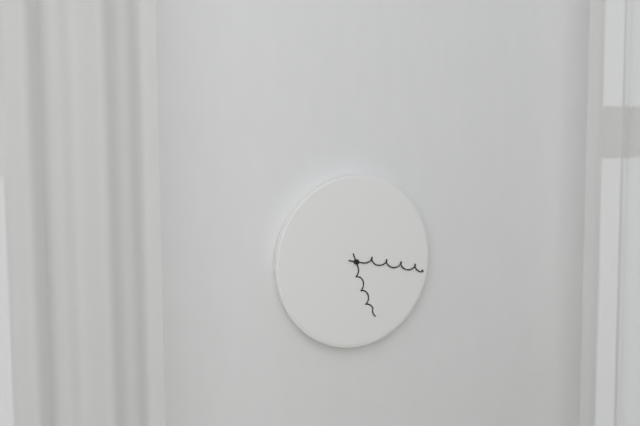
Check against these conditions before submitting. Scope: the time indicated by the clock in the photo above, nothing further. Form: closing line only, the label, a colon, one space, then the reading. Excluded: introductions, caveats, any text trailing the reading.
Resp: 5:17
